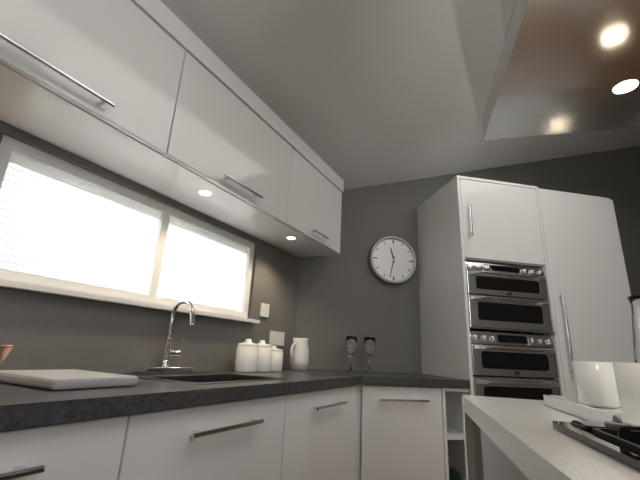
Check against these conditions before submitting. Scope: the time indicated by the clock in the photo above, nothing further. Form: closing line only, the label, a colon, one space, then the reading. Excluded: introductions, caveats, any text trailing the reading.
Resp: 11:32
